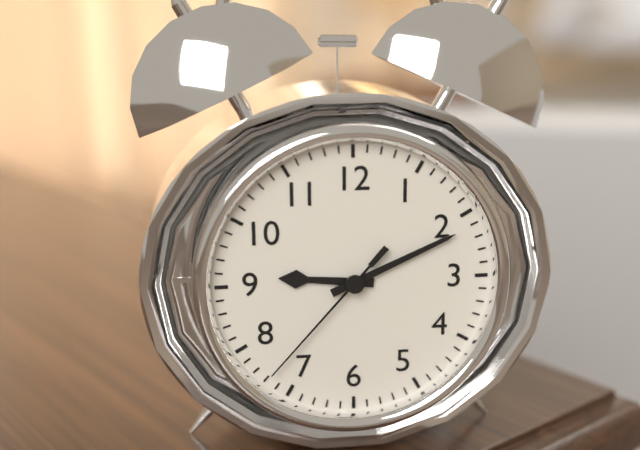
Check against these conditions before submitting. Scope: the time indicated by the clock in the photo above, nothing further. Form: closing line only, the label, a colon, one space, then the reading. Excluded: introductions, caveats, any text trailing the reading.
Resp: 9:11:37
